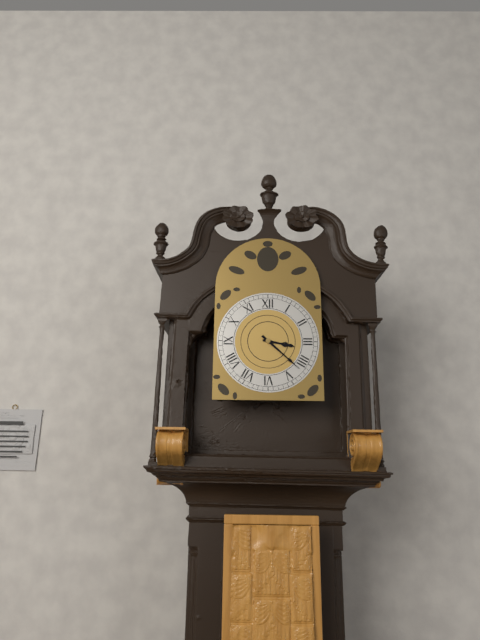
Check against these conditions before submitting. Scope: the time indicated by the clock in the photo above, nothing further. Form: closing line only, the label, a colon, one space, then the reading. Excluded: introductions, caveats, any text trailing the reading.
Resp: 3:22
